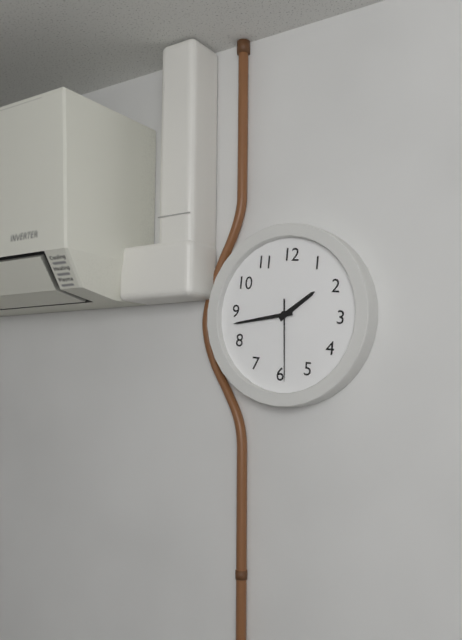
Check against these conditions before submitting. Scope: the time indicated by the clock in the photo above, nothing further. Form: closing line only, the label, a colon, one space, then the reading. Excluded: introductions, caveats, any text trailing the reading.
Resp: 1:43:29
